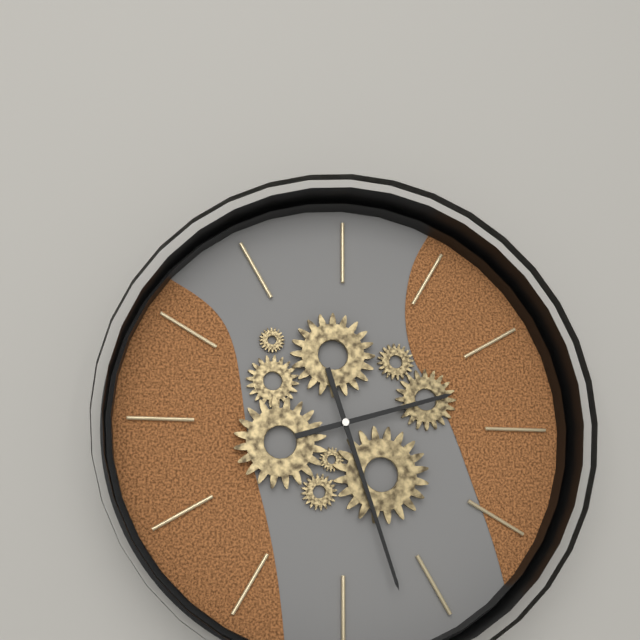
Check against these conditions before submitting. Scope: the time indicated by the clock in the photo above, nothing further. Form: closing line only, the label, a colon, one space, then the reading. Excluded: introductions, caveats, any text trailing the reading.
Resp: 2:27
